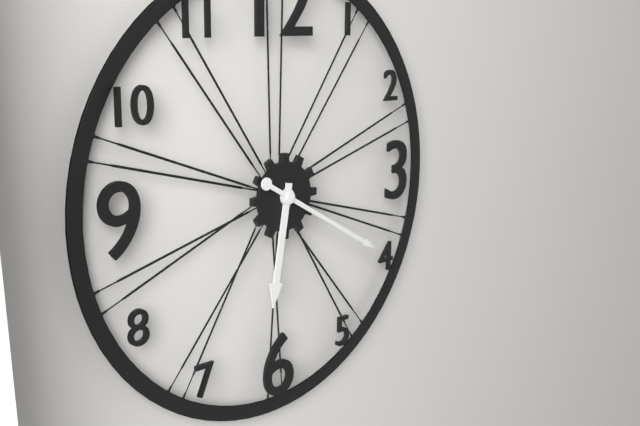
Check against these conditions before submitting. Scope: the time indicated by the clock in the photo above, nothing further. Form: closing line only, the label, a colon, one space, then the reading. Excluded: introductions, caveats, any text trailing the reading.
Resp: 6:20
